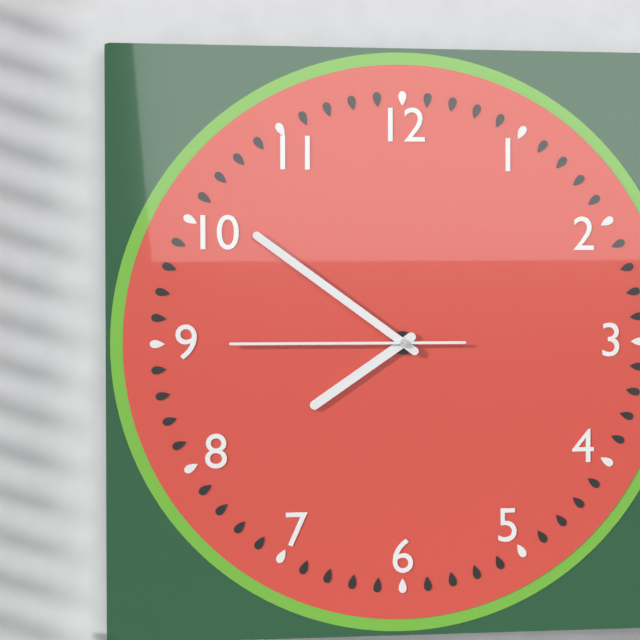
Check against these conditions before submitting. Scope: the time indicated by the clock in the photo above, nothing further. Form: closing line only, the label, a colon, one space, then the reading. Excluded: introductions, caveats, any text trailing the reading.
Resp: 7:51:45
